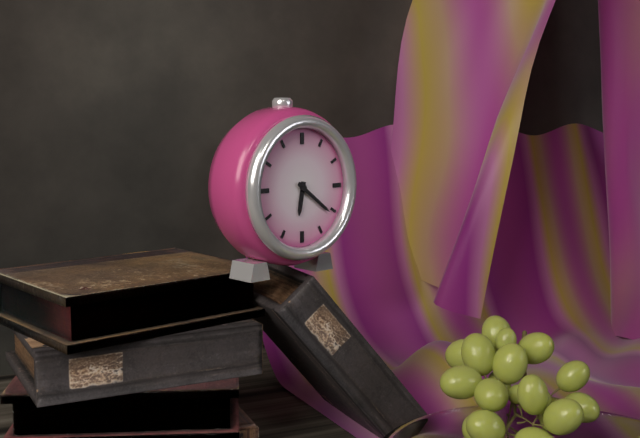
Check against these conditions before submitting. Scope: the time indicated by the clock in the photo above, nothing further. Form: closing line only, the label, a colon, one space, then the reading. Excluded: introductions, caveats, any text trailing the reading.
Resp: 6:21
